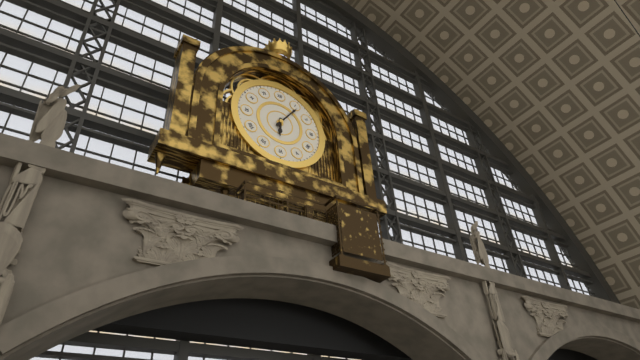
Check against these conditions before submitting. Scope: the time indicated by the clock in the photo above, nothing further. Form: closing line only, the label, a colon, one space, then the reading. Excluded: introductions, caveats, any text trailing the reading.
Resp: 6:06
